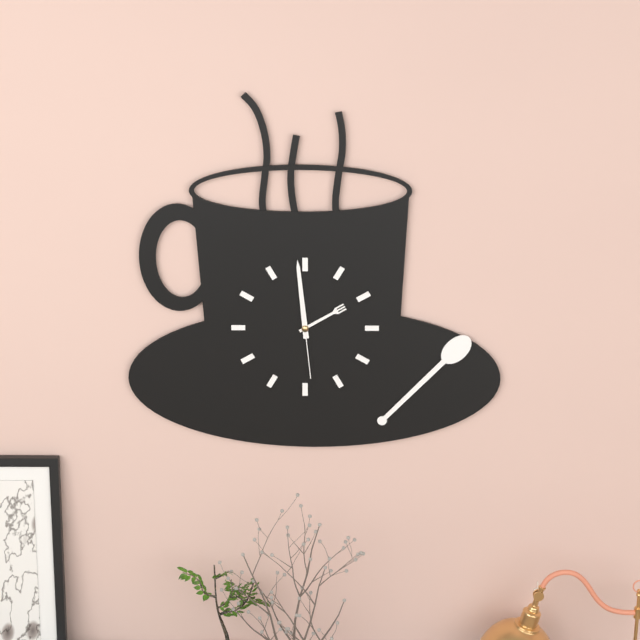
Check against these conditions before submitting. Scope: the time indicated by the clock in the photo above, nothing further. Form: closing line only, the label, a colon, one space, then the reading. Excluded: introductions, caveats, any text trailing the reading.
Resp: 1:59:29
